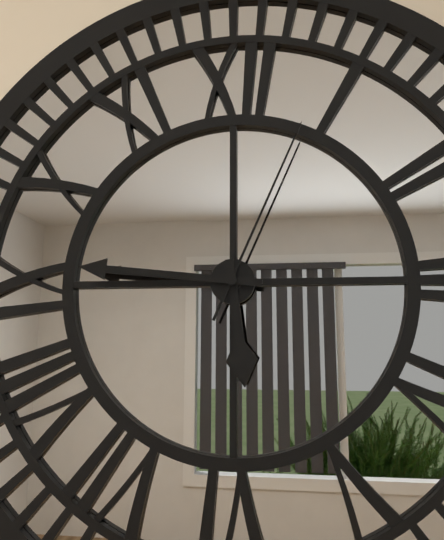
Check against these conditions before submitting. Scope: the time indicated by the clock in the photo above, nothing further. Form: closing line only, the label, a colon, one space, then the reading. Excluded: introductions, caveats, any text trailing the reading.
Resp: 5:46:04
